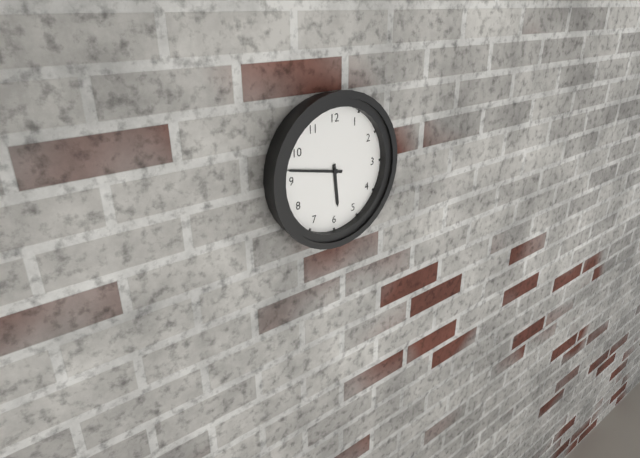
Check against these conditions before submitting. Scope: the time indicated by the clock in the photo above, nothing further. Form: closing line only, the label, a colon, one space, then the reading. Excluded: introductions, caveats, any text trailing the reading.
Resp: 5:47
